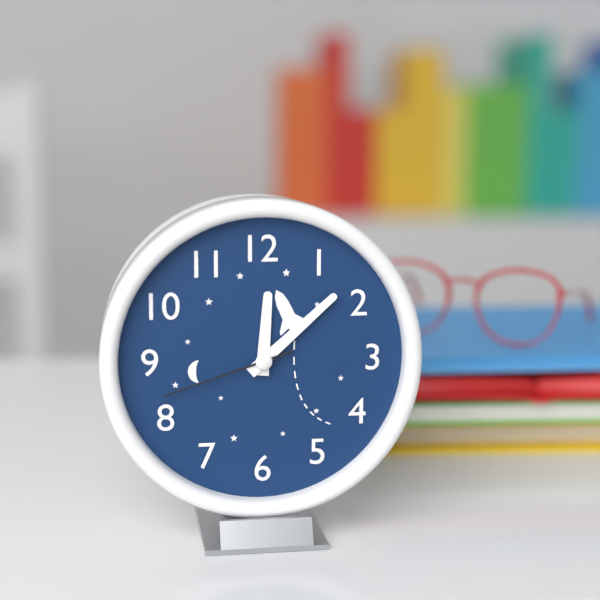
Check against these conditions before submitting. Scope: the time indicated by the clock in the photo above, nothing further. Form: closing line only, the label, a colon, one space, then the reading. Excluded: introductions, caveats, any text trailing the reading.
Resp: 12:08:42
